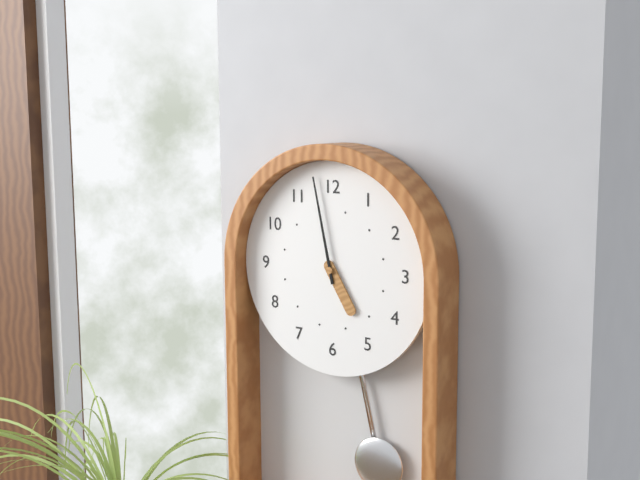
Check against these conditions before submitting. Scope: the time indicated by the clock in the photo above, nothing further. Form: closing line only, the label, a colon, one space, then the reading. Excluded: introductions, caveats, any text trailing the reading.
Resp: 4:58
